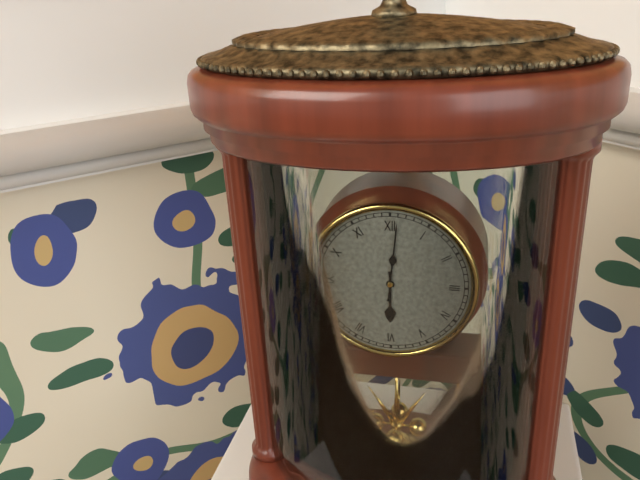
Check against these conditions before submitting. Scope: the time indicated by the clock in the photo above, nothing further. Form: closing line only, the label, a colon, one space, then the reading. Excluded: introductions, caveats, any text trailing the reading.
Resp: 6:01
